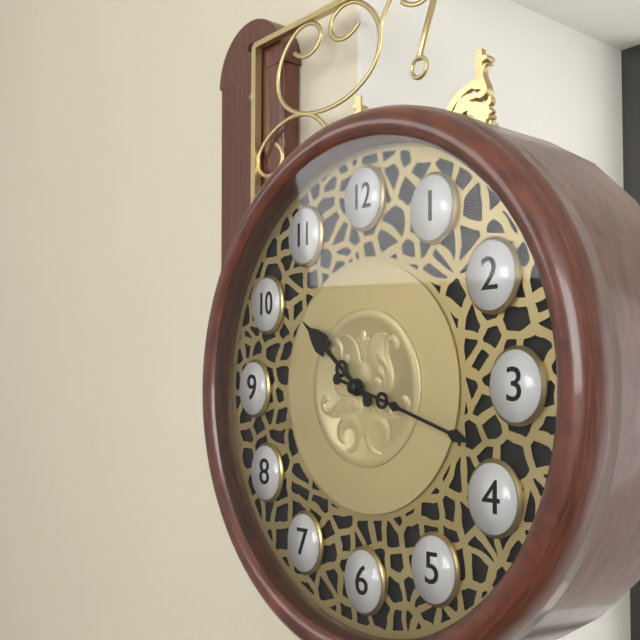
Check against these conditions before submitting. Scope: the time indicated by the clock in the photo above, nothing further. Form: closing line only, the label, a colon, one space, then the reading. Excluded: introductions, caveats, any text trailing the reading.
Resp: 10:18
